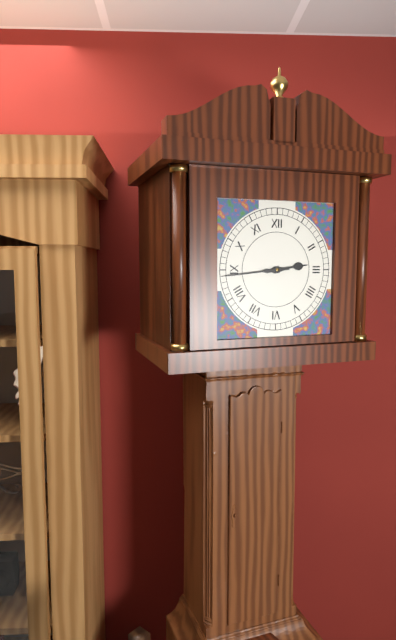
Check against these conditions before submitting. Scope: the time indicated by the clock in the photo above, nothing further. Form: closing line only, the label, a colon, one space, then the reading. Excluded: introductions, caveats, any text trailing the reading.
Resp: 2:44
